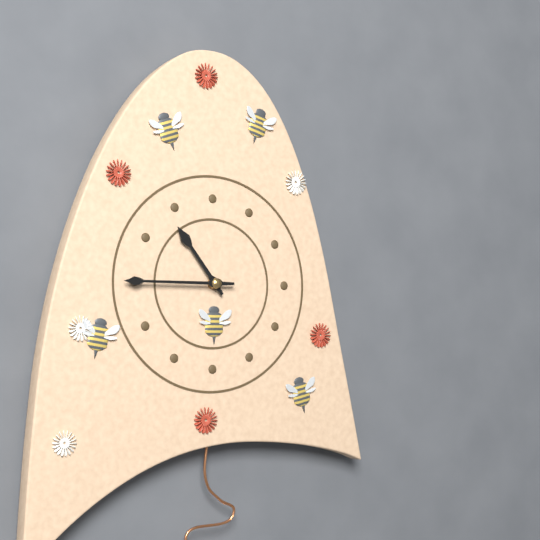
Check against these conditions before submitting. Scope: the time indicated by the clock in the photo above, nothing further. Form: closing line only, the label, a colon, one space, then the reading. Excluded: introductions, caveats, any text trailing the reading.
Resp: 10:45
